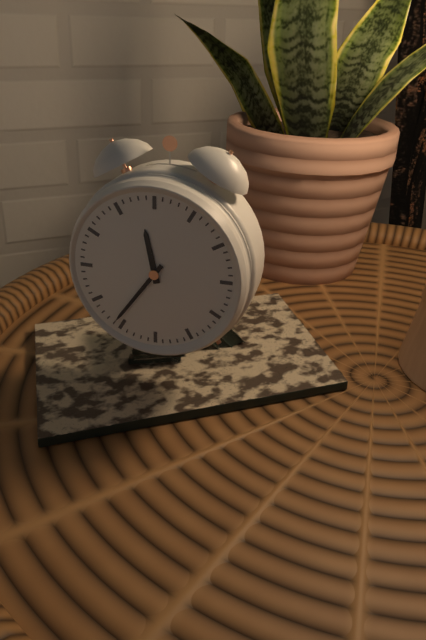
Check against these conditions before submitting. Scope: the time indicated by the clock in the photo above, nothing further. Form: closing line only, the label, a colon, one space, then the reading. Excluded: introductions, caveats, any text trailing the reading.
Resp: 11:36
